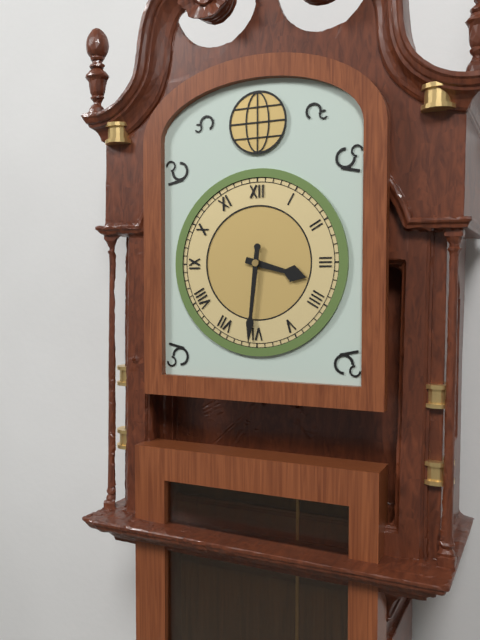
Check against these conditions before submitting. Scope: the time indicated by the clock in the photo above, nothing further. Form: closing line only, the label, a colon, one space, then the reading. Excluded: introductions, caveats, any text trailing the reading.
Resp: 3:31
